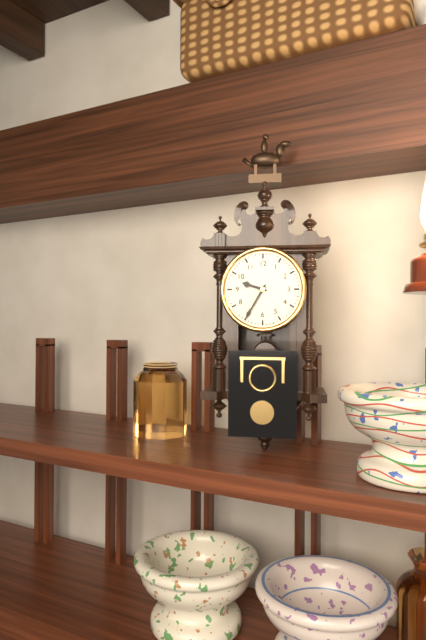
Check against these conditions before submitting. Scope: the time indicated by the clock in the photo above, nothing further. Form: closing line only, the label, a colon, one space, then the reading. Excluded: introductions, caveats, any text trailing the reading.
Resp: 9:35
